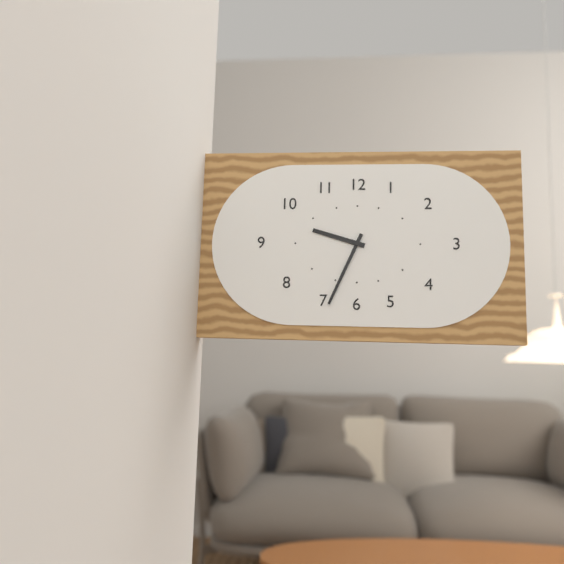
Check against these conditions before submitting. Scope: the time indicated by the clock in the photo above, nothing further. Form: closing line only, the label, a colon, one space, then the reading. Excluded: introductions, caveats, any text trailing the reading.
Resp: 9:34
